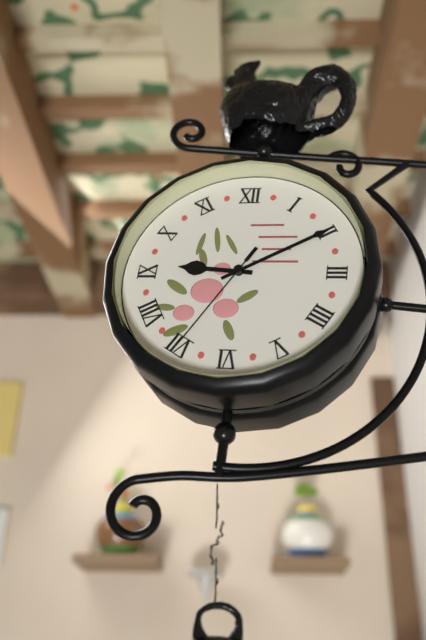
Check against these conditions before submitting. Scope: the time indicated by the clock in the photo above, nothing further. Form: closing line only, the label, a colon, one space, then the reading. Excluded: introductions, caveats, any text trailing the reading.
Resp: 9:10:35
